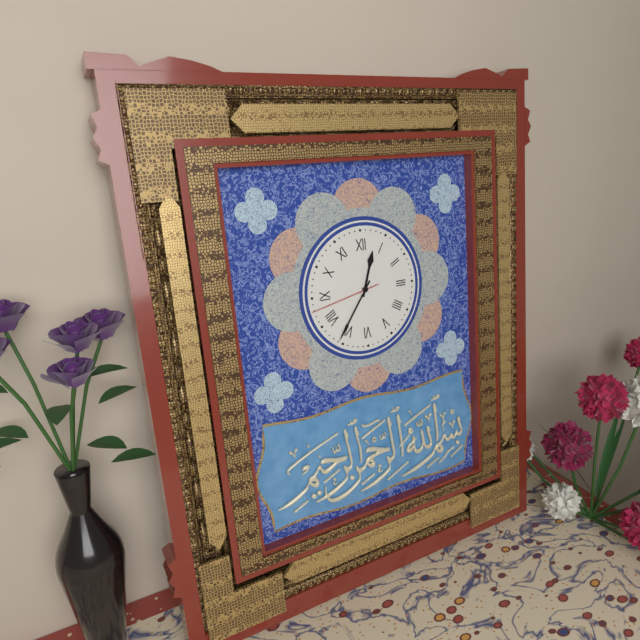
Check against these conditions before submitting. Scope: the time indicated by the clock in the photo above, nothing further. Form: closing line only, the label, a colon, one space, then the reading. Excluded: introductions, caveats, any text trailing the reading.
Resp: 12:36:43
